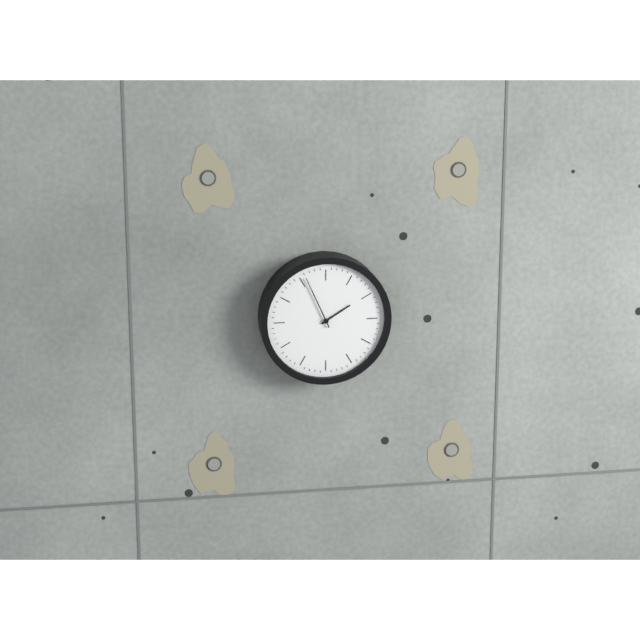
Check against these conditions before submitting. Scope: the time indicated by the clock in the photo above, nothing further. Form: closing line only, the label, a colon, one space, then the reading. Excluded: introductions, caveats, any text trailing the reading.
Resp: 1:56
